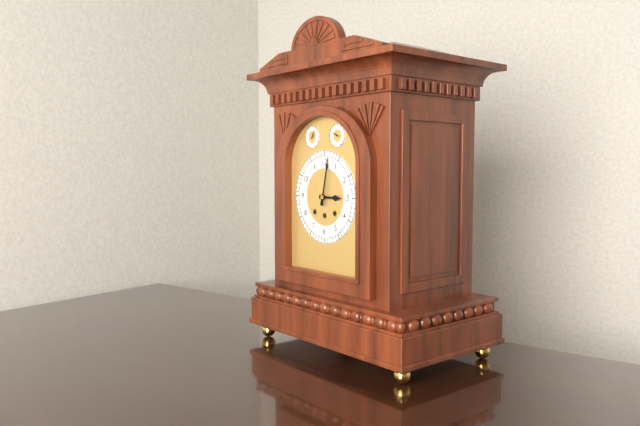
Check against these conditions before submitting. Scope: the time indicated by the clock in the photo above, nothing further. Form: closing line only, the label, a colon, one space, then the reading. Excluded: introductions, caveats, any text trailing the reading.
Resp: 3:02
